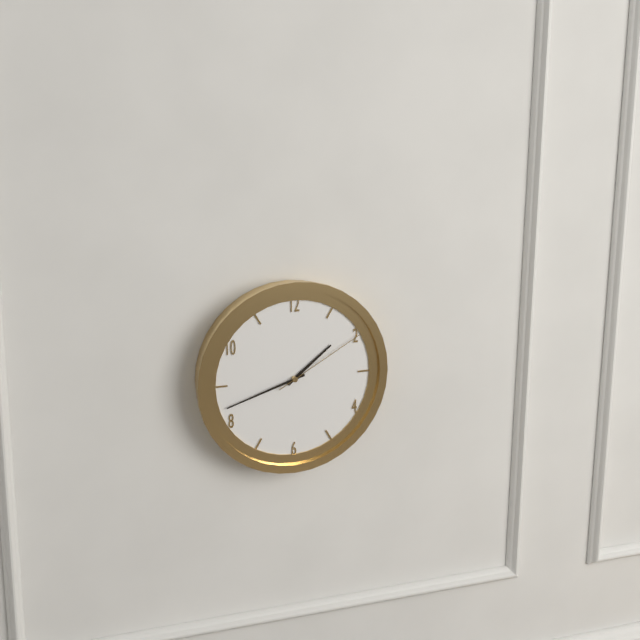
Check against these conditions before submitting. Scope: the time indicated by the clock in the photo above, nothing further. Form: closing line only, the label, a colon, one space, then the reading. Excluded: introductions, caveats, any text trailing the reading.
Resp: 1:42:10
